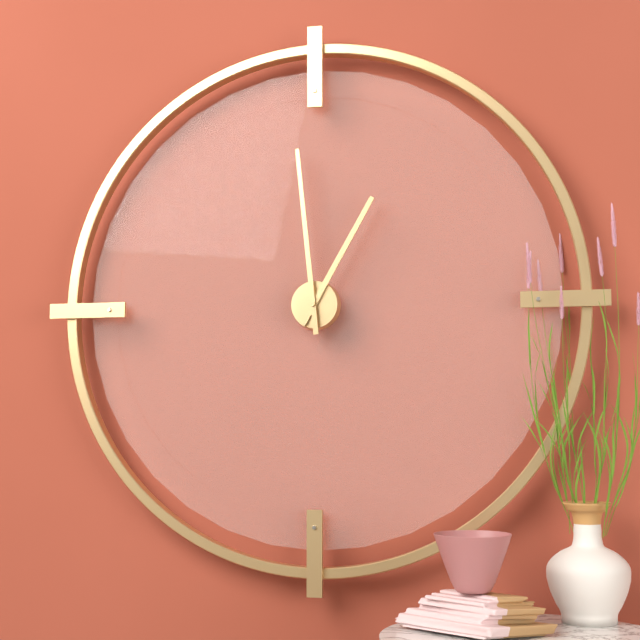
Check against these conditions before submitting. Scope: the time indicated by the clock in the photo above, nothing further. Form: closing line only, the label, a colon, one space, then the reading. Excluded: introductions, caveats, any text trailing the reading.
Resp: 12:59
